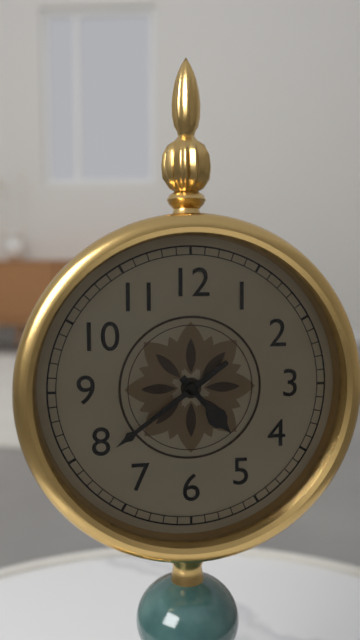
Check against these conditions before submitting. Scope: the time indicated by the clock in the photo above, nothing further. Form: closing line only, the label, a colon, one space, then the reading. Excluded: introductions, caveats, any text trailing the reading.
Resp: 4:39
